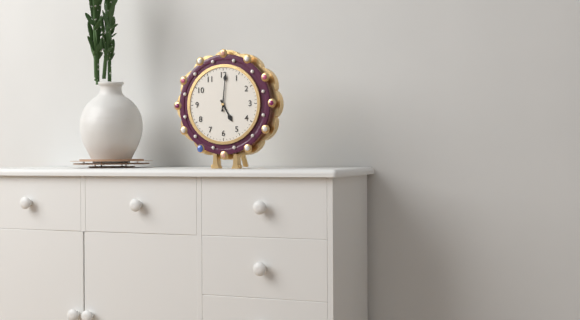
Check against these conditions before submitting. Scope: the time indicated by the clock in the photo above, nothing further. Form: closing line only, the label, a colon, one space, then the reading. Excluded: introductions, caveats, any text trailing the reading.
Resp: 5:01
